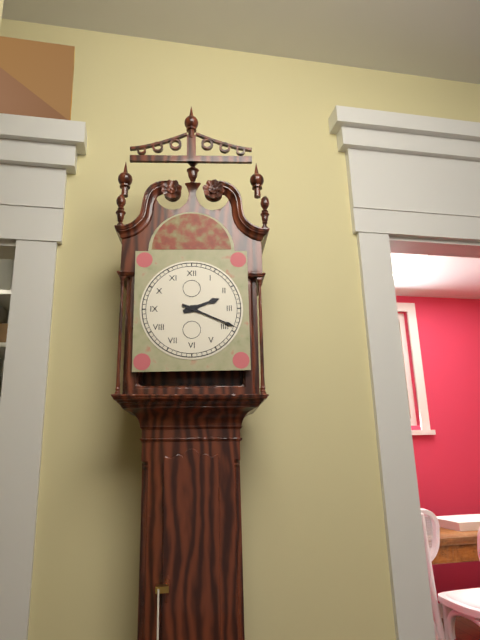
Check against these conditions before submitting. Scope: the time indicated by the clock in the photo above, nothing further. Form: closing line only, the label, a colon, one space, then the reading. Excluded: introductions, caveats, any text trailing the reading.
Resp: 2:19
